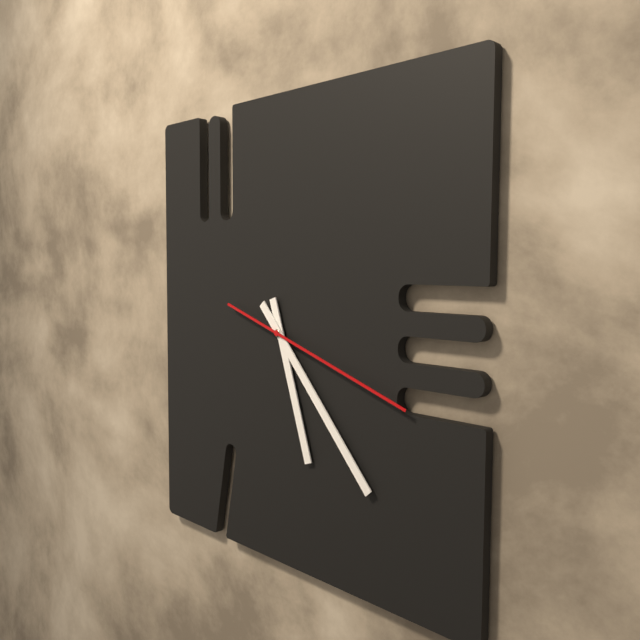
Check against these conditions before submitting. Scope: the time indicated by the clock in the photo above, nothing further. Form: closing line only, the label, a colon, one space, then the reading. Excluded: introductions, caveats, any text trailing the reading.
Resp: 5:23:18
